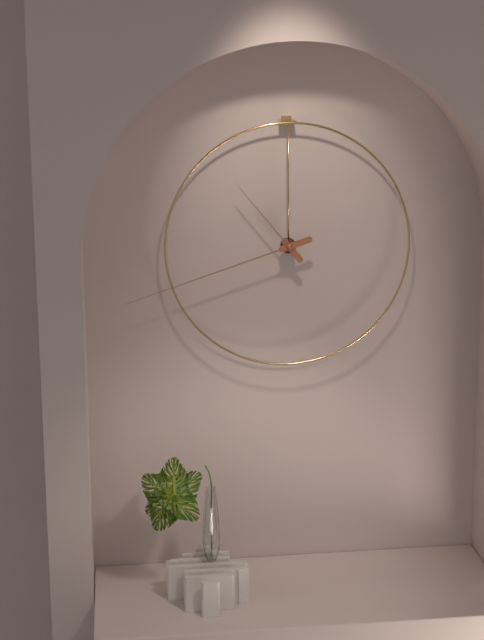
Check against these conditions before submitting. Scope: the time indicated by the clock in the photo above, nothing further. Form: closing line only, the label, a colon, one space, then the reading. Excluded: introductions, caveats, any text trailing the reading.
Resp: 10:42
